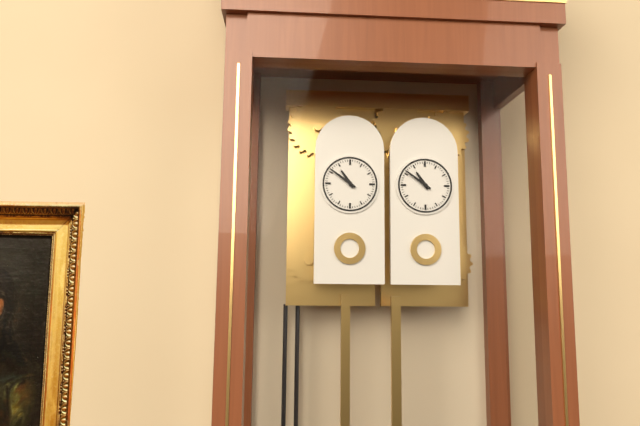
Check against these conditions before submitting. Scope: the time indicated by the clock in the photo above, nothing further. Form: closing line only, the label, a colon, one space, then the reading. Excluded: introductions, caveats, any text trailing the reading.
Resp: 10:51
